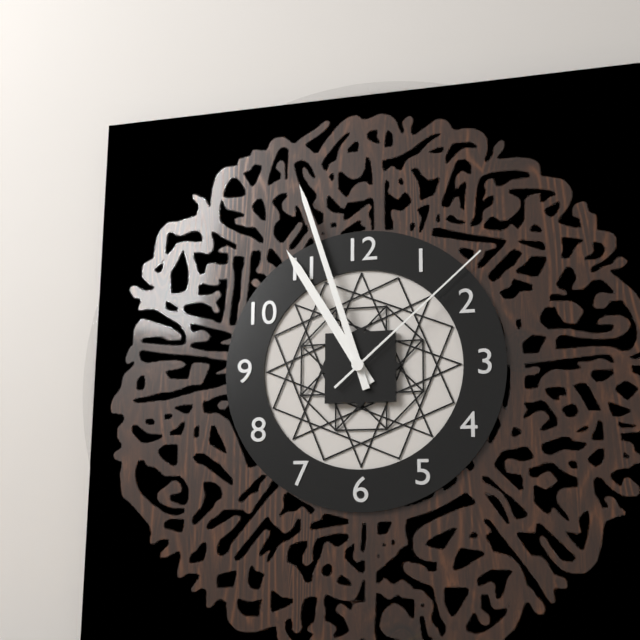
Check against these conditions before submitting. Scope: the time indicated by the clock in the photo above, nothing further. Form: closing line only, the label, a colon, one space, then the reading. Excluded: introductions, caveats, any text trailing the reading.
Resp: 10:57:08
